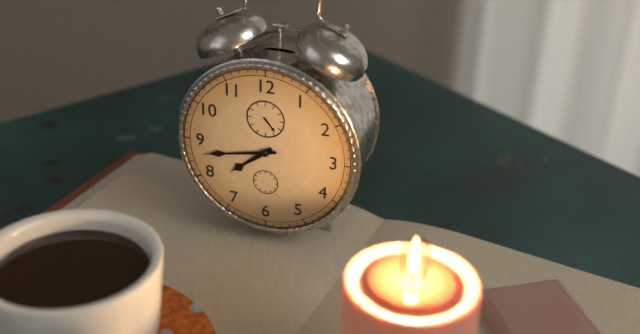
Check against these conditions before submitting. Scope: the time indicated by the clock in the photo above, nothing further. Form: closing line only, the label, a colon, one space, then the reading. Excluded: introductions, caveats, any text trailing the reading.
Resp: 7:43
